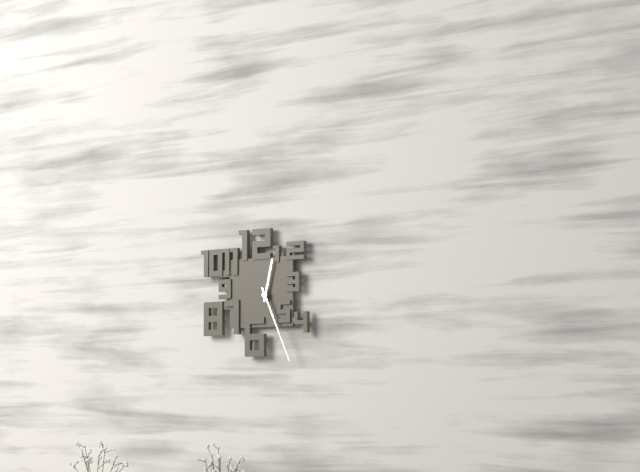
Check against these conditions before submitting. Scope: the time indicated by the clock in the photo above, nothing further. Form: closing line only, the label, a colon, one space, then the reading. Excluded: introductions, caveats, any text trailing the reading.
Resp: 12:26
